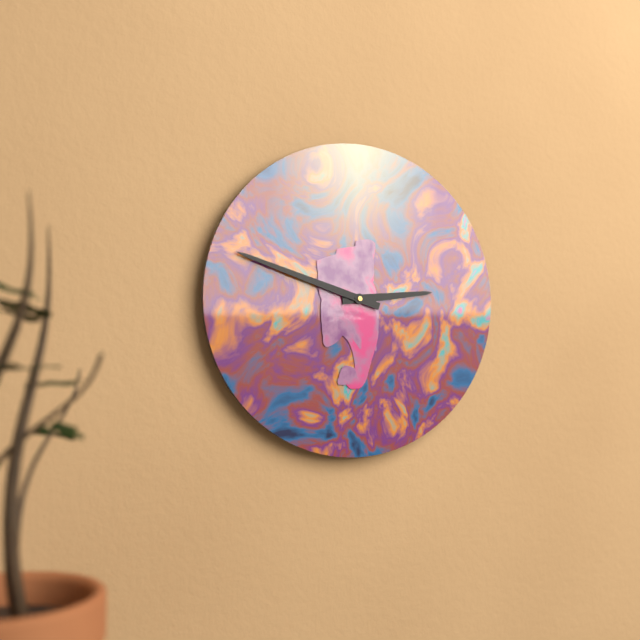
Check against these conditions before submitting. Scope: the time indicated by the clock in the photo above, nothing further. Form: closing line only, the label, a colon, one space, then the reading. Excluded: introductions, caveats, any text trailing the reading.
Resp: 2:48
